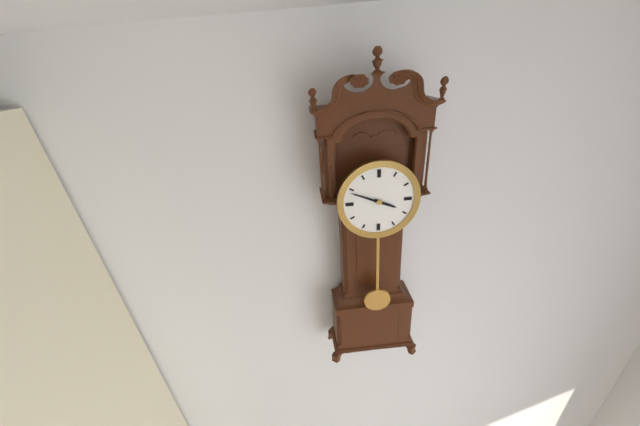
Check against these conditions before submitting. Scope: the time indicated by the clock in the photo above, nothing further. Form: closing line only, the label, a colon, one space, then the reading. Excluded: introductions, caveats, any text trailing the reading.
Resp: 3:49
